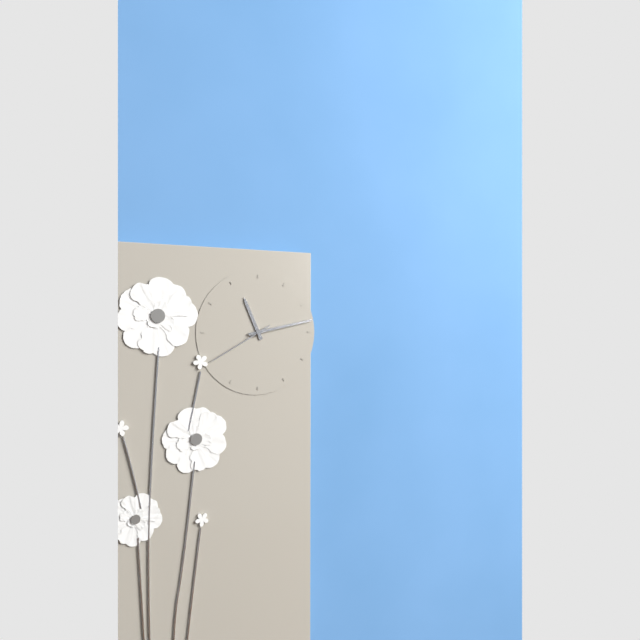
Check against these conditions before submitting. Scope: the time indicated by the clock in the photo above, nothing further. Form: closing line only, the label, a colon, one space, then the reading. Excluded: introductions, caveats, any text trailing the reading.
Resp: 11:13:40
